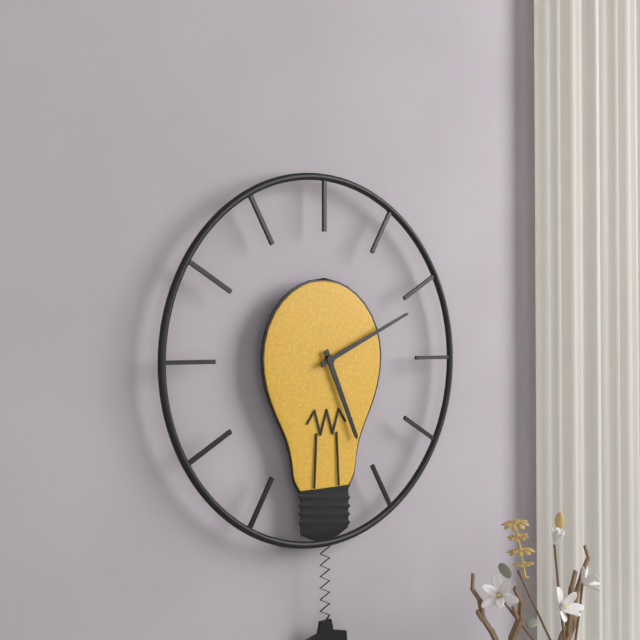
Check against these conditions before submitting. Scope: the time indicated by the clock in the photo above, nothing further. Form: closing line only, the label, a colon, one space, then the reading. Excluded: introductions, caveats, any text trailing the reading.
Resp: 5:11
